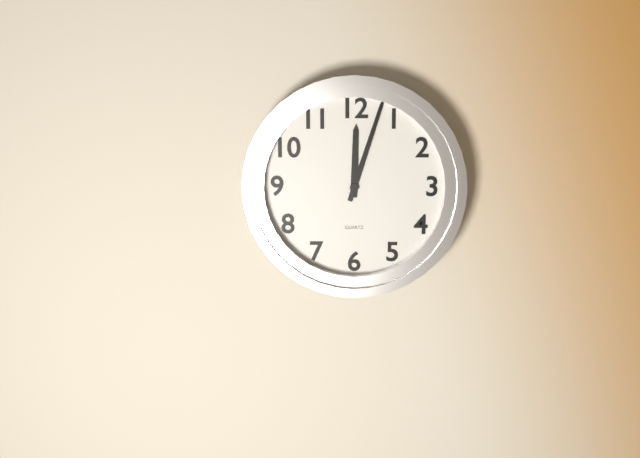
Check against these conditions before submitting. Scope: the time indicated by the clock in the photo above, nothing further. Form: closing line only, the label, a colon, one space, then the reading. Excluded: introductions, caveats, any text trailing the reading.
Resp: 12:03
